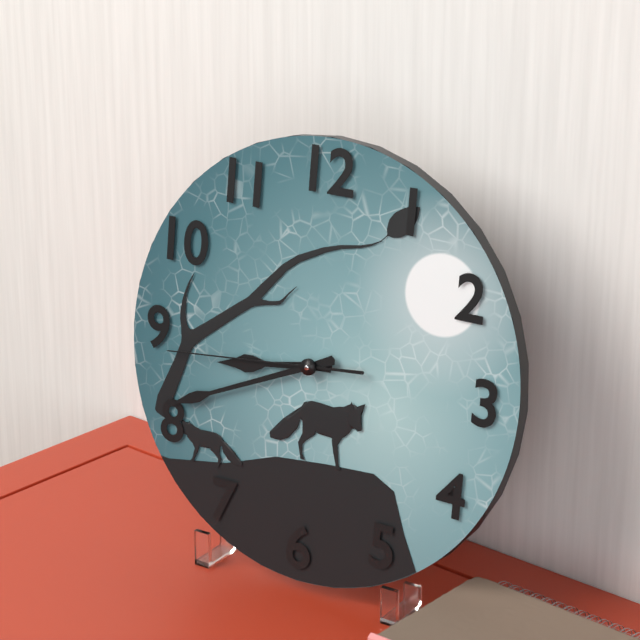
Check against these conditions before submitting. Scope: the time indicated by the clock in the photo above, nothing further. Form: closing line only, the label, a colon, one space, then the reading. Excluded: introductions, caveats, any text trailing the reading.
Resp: 8:41:44
